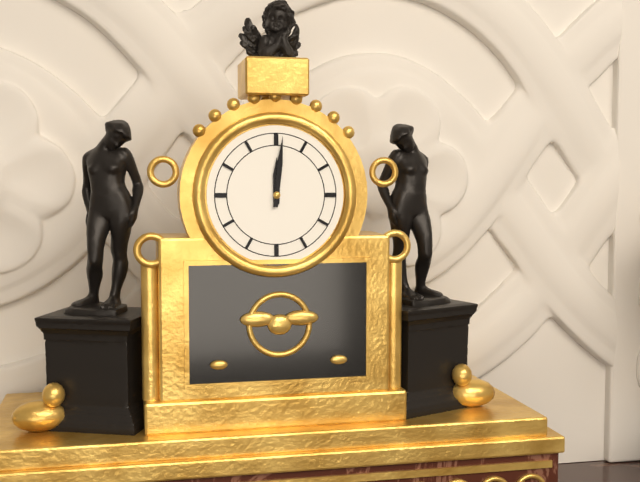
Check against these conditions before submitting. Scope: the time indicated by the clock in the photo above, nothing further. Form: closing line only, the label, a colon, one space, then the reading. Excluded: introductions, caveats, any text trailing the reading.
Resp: 12:01
